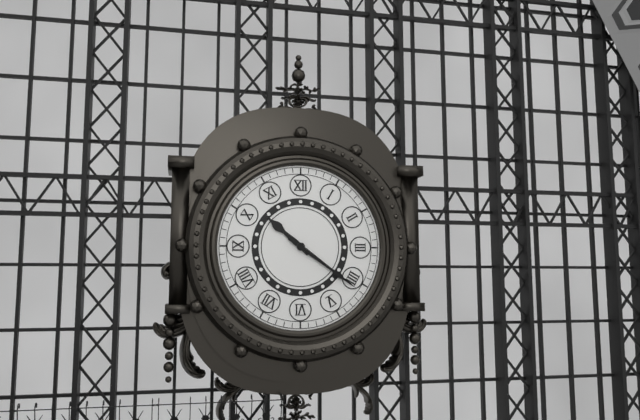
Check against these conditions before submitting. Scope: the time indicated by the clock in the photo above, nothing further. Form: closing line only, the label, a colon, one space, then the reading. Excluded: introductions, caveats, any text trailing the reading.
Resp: 10:21
